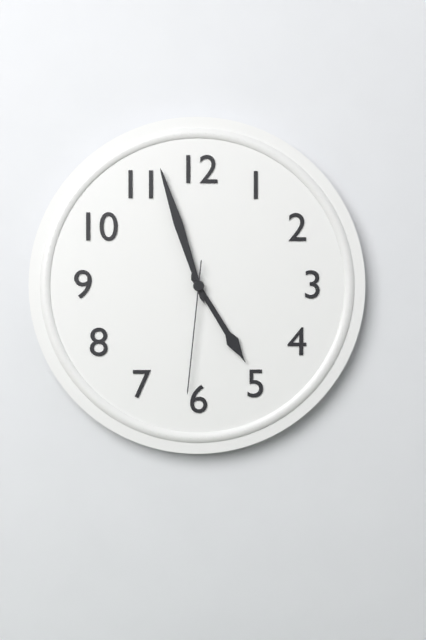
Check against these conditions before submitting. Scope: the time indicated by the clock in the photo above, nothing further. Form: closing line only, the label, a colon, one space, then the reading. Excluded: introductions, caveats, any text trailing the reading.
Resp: 4:57:31
